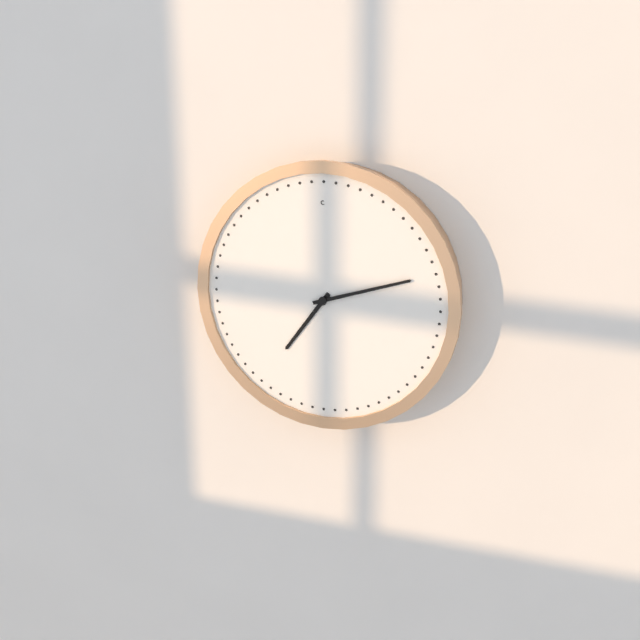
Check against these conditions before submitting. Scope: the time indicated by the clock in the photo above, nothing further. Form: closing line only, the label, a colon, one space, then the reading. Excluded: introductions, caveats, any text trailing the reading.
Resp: 7:12
